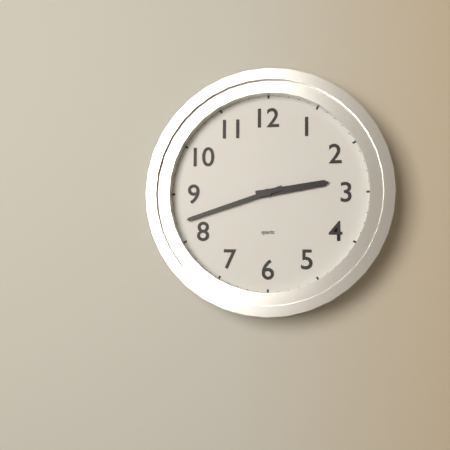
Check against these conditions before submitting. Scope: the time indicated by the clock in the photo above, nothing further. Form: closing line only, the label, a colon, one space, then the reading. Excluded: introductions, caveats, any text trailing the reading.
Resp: 2:42
